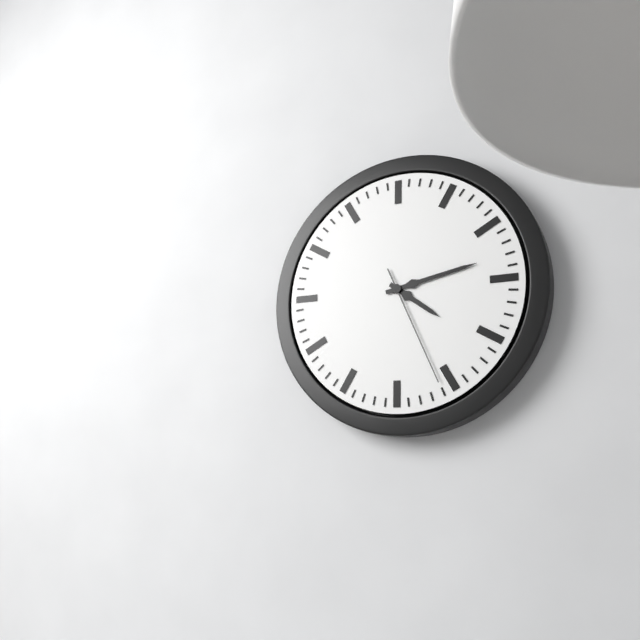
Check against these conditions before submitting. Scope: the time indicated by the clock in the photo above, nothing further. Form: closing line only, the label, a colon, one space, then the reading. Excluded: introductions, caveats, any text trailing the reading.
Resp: 4:13:26
